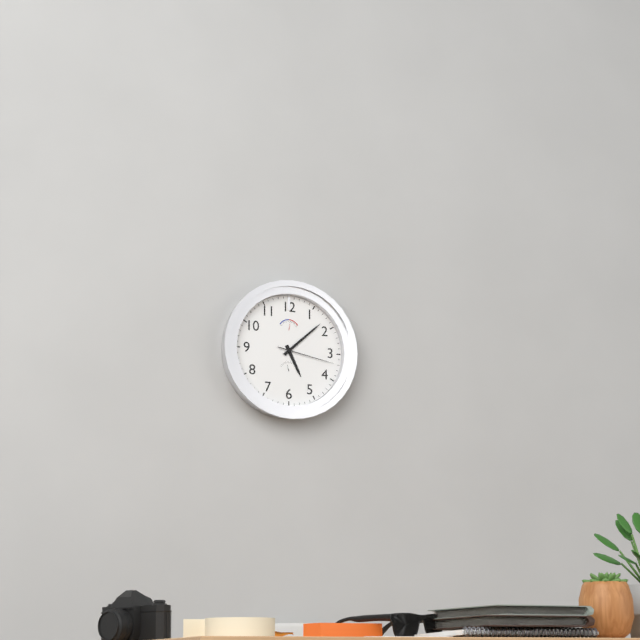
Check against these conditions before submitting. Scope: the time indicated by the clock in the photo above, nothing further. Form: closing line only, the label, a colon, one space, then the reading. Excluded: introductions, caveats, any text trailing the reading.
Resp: 5:08:17
